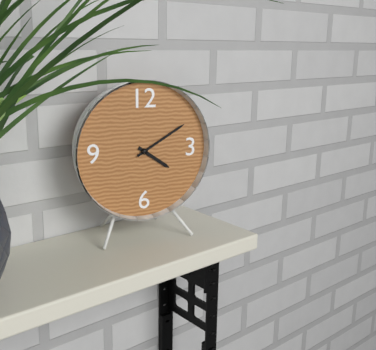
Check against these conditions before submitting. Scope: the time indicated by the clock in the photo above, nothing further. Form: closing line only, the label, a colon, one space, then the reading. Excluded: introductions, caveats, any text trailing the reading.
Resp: 4:10
